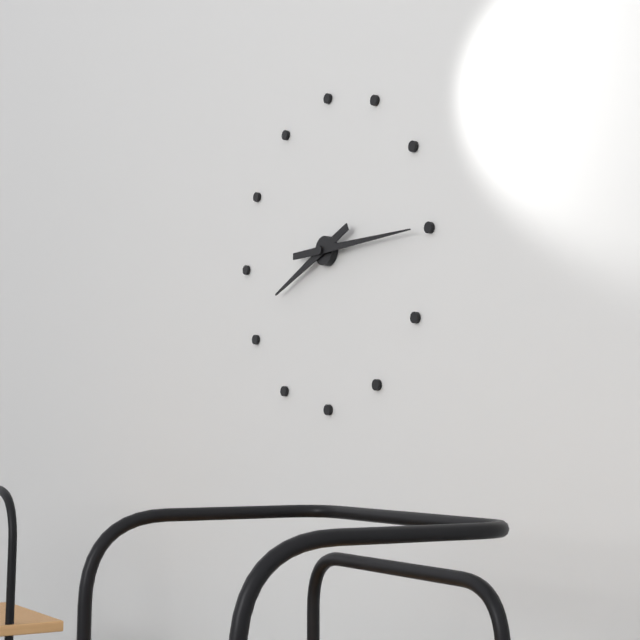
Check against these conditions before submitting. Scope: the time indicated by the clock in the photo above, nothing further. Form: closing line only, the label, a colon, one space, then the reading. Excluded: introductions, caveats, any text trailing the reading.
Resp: 8:15
